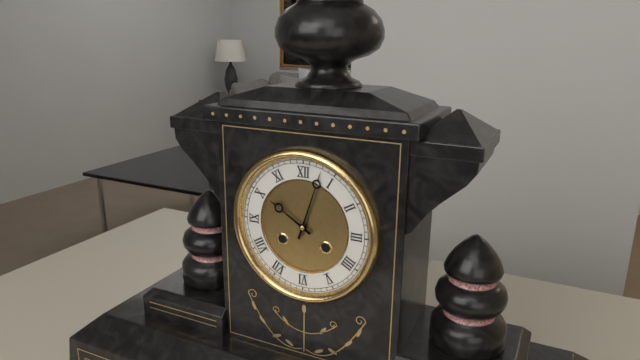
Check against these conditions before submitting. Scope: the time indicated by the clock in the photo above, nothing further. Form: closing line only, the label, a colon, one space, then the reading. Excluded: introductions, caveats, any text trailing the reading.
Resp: 10:03
